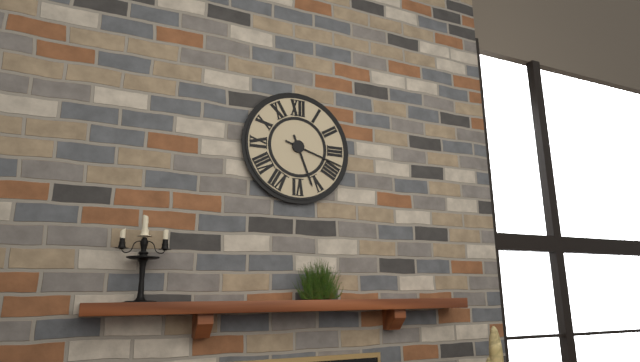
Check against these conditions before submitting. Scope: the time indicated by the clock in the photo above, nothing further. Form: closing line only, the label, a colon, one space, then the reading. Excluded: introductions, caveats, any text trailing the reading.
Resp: 5:18
